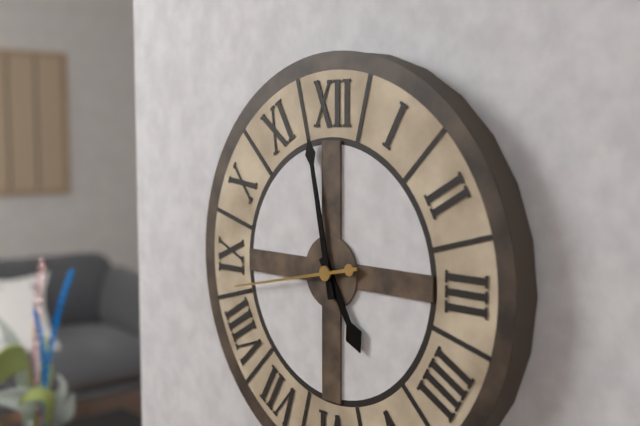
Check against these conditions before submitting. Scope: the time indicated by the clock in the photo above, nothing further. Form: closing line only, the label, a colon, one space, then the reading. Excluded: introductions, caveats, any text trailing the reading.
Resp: 4:58:43
